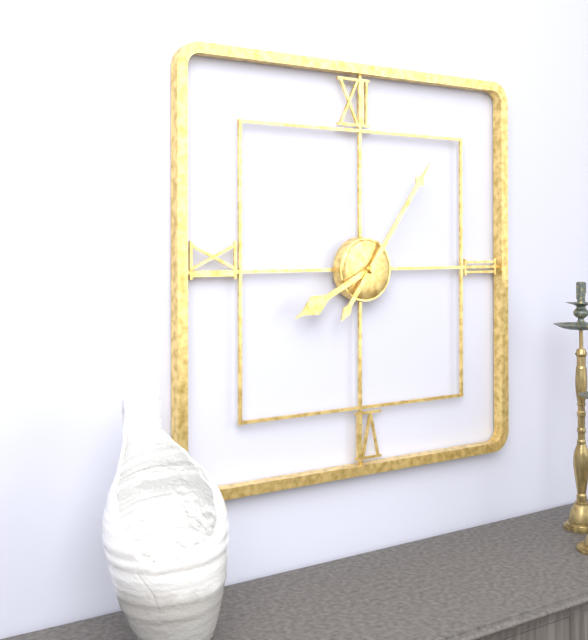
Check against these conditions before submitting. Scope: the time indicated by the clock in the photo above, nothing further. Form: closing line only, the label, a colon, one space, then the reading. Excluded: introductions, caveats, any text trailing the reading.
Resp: 8:06
